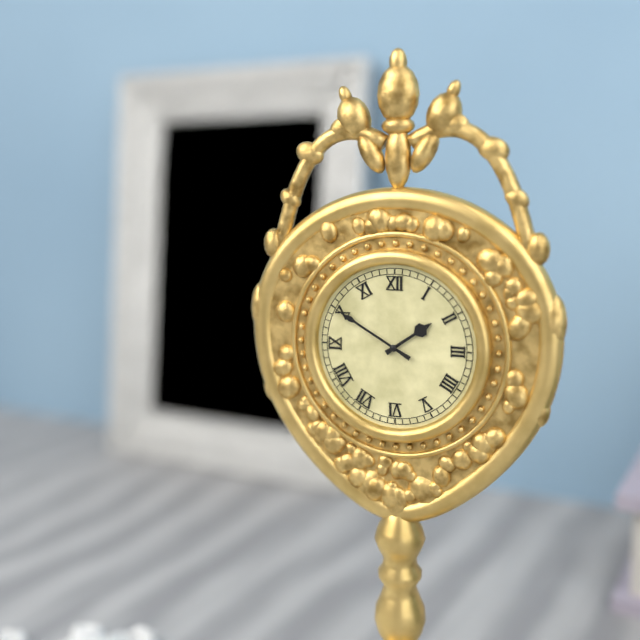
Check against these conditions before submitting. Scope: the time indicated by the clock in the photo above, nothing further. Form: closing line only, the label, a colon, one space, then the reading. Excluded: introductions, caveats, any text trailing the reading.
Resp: 1:50
